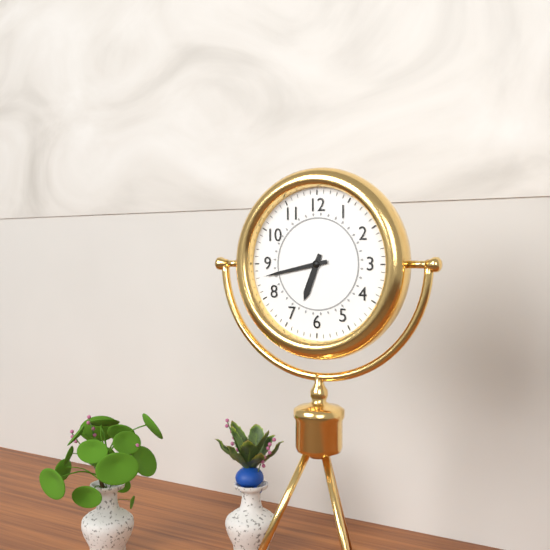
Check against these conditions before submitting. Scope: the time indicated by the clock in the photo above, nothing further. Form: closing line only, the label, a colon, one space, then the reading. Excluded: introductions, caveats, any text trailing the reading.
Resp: 6:43
